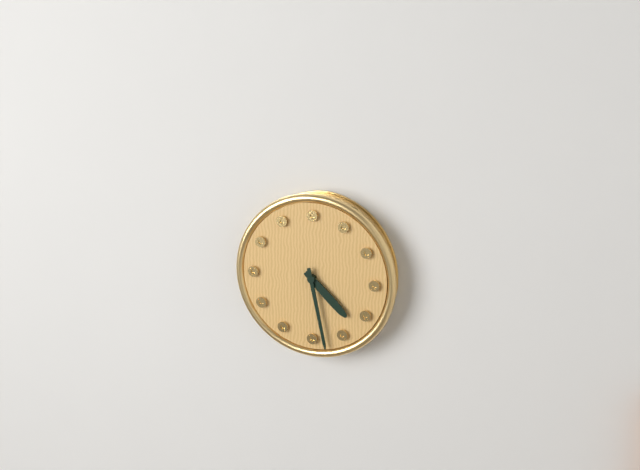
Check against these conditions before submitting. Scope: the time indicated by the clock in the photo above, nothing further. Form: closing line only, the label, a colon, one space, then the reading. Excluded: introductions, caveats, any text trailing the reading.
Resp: 4:28
